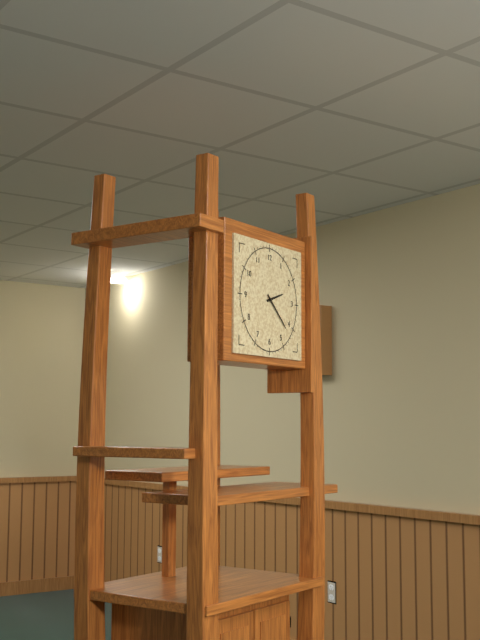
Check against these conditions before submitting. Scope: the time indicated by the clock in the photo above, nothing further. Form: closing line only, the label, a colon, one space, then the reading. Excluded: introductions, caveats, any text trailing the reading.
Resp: 2:22
